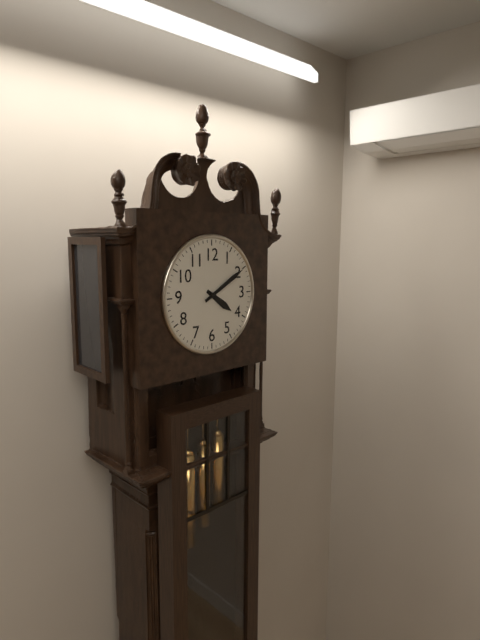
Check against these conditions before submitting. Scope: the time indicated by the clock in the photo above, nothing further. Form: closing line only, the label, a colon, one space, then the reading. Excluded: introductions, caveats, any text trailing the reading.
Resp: 4:10
